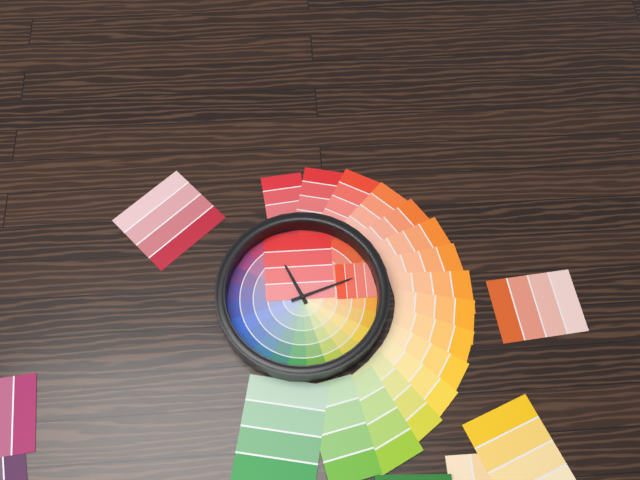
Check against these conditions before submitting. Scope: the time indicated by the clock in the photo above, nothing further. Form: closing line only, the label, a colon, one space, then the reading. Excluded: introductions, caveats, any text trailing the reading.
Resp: 11:12
